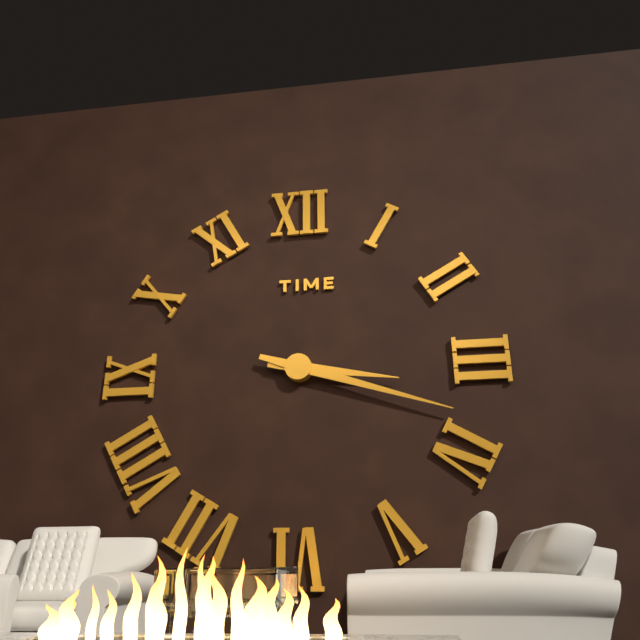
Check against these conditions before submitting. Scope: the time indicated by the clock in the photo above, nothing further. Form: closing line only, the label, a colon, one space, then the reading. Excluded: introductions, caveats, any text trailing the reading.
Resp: 3:18
